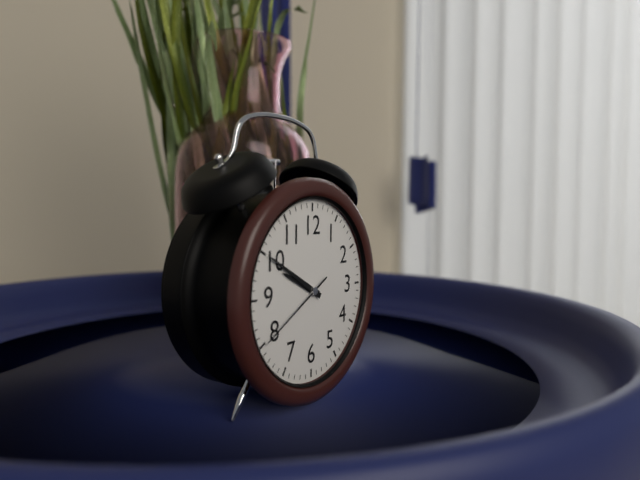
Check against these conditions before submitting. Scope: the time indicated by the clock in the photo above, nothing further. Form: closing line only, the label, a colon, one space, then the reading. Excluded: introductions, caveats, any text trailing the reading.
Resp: 9:50:40
